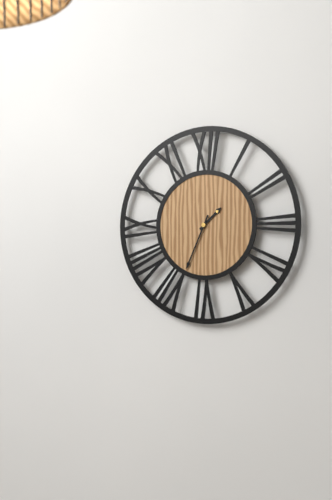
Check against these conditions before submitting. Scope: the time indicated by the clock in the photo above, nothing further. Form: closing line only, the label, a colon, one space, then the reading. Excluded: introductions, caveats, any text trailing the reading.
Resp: 1:34
